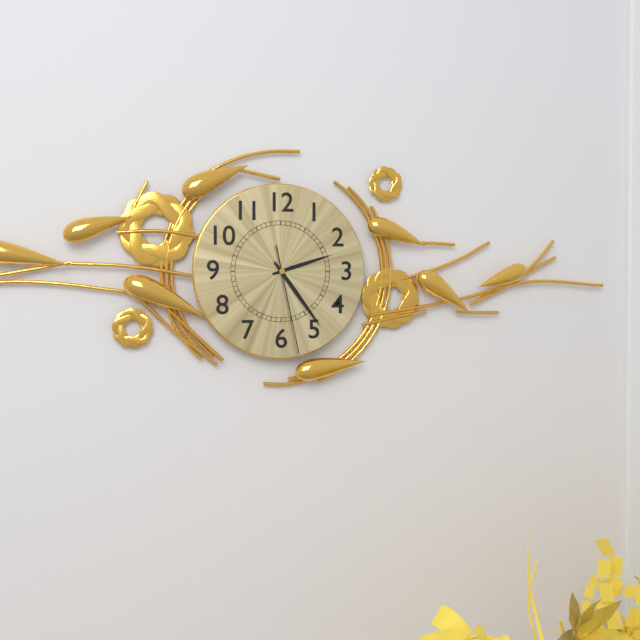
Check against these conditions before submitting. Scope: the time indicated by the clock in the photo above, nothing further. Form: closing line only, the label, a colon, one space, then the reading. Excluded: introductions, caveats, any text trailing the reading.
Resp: 2:24:28
